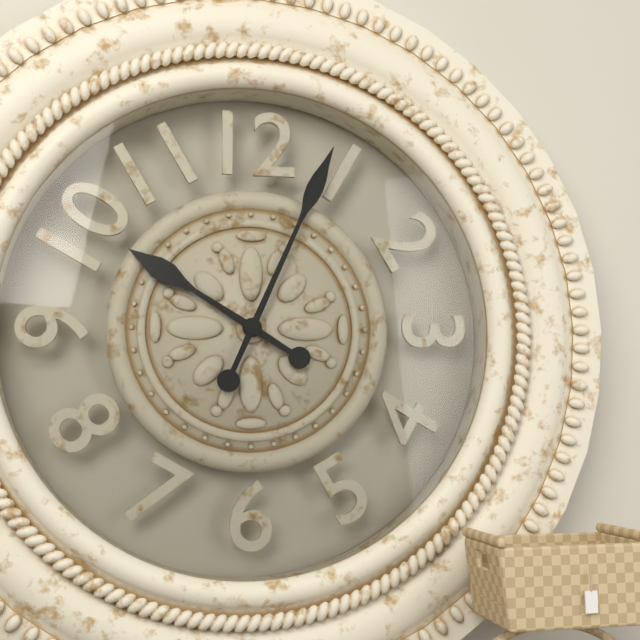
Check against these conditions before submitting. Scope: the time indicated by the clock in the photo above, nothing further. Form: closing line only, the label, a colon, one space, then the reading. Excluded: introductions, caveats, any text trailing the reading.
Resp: 10:04
